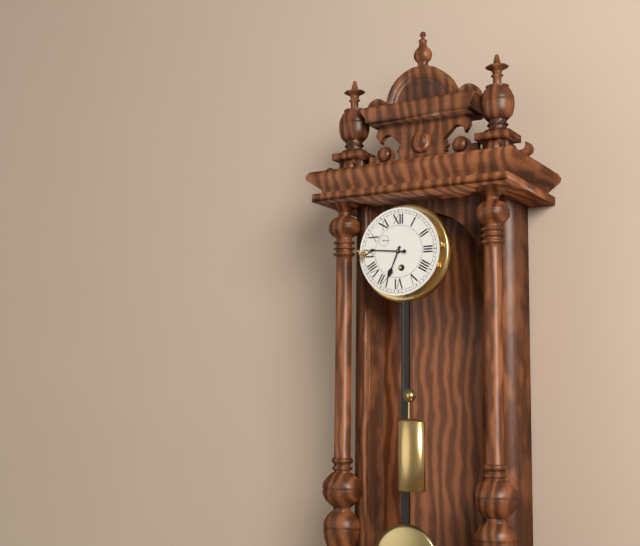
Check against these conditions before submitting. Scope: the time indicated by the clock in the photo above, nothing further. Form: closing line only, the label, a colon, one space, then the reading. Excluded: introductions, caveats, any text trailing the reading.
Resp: 6:46
